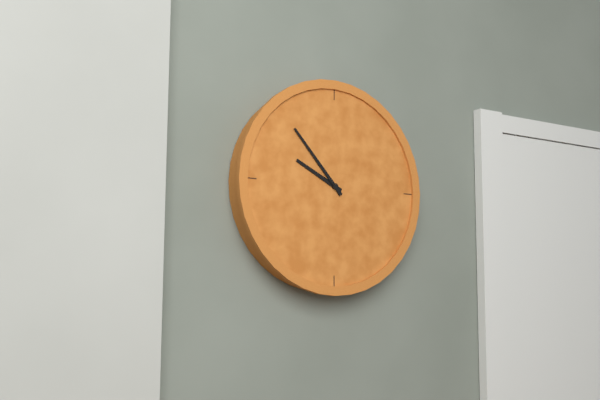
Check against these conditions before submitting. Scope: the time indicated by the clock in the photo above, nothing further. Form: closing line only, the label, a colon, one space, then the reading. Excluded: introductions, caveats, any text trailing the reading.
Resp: 9:53
